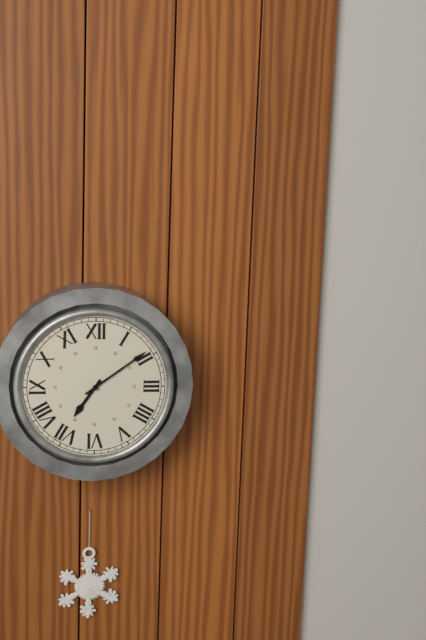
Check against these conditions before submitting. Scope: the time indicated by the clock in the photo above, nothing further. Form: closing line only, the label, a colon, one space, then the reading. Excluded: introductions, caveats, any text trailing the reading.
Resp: 7:09
